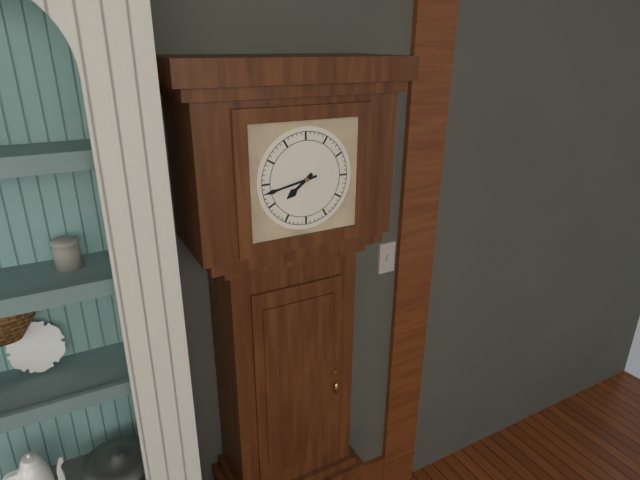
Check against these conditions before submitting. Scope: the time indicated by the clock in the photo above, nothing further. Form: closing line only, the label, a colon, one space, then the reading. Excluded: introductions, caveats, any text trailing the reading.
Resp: 7:43
